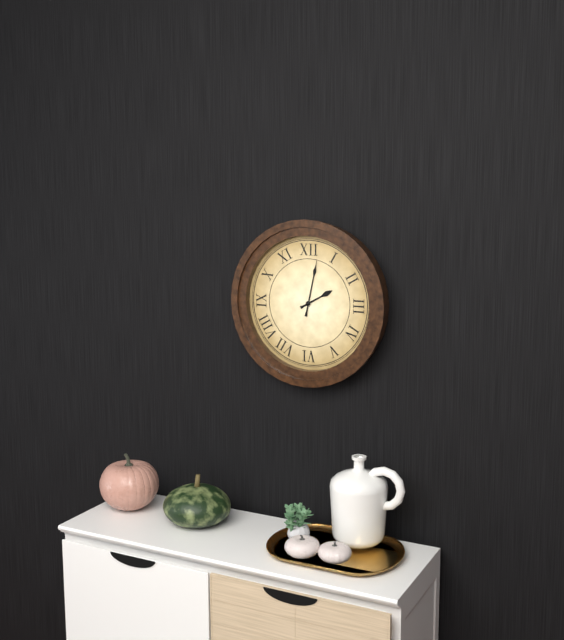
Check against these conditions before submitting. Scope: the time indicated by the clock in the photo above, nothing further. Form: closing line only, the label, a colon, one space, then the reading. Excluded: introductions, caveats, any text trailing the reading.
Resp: 2:02
